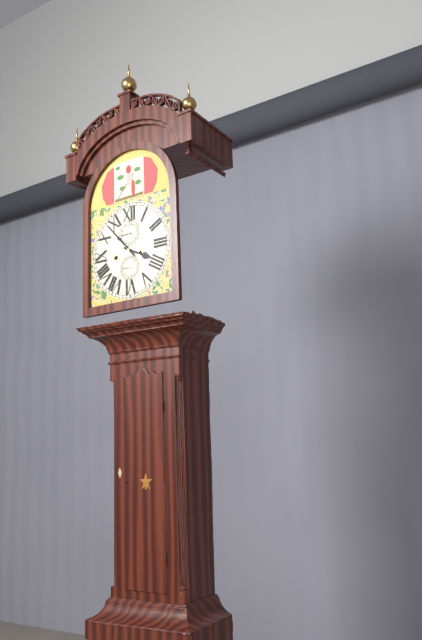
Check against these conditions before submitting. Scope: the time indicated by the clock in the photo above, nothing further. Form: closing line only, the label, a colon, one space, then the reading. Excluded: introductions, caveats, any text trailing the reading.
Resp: 3:53
